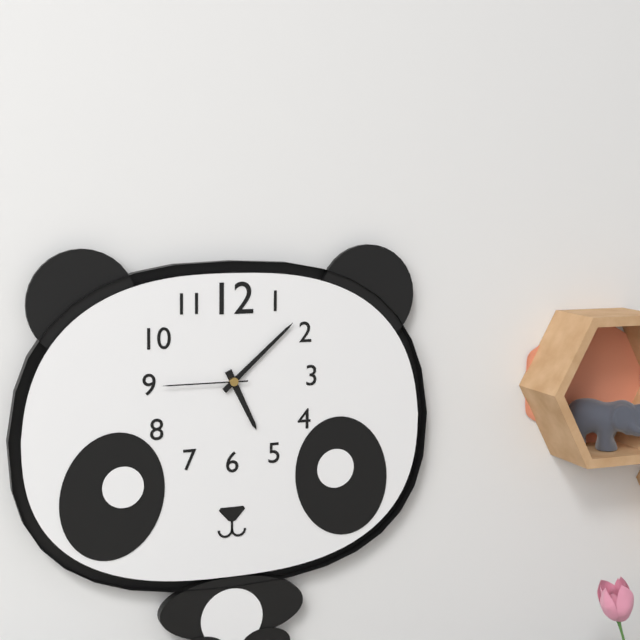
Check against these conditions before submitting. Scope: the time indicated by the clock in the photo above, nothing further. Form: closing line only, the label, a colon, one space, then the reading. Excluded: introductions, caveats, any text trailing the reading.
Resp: 5:08:45
